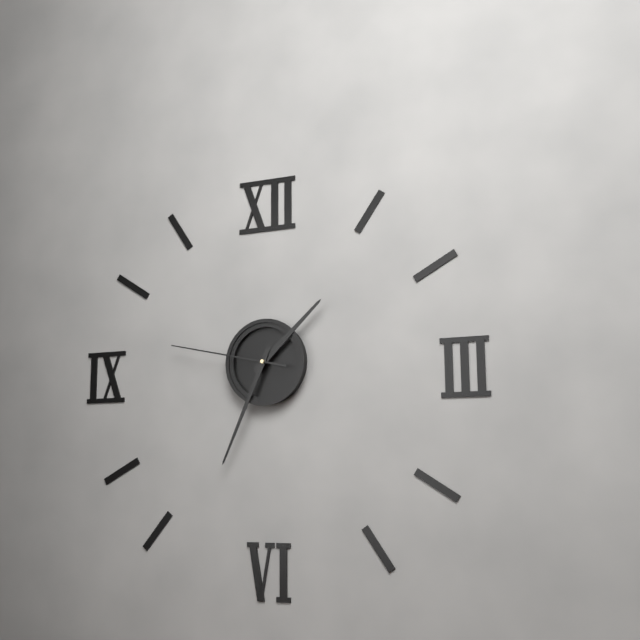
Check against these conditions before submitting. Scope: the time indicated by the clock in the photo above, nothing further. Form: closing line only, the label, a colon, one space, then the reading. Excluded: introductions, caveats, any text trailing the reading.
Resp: 1:34:47
